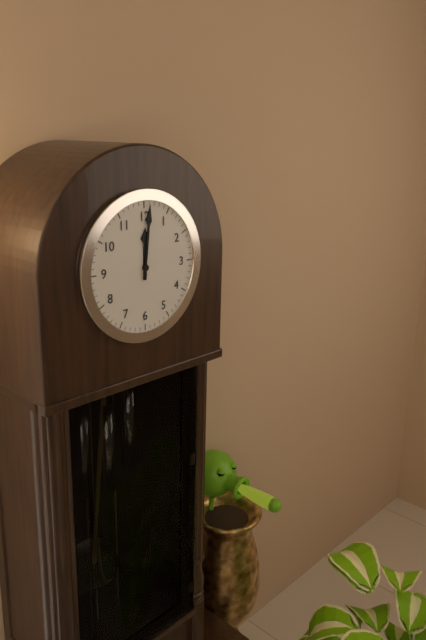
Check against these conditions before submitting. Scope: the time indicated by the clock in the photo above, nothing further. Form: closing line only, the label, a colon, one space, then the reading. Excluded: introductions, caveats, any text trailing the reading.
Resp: 12:01
